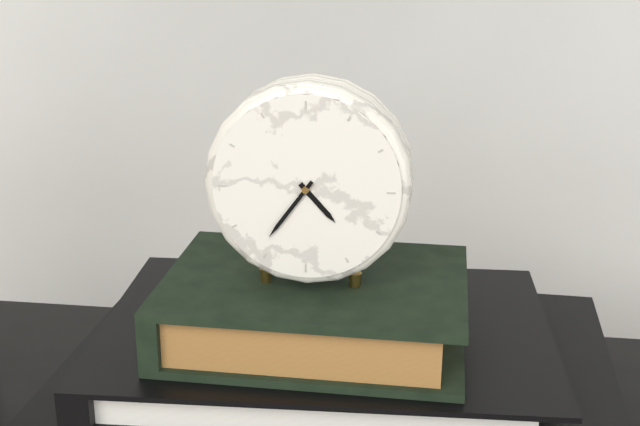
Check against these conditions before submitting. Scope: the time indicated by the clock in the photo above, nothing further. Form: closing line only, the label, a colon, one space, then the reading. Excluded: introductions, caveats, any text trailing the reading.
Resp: 4:36
